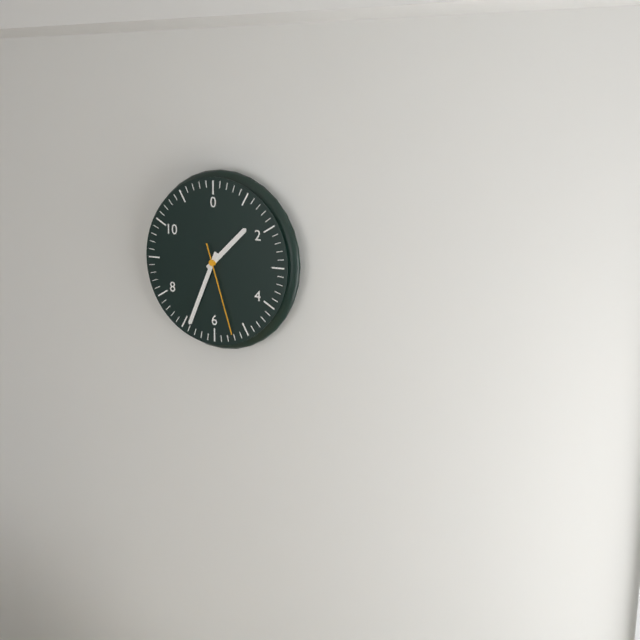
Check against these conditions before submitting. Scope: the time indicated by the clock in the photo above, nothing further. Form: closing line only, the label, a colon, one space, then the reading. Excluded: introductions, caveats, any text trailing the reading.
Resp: 1:34:27
